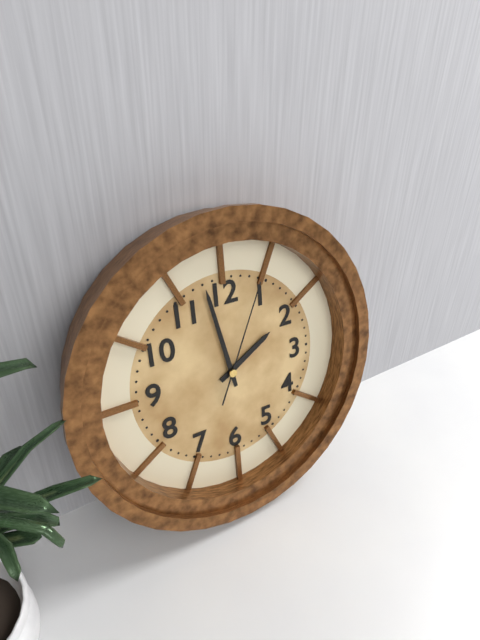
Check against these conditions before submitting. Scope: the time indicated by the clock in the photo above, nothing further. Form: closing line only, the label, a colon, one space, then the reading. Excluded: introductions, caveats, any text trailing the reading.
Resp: 1:58:04
